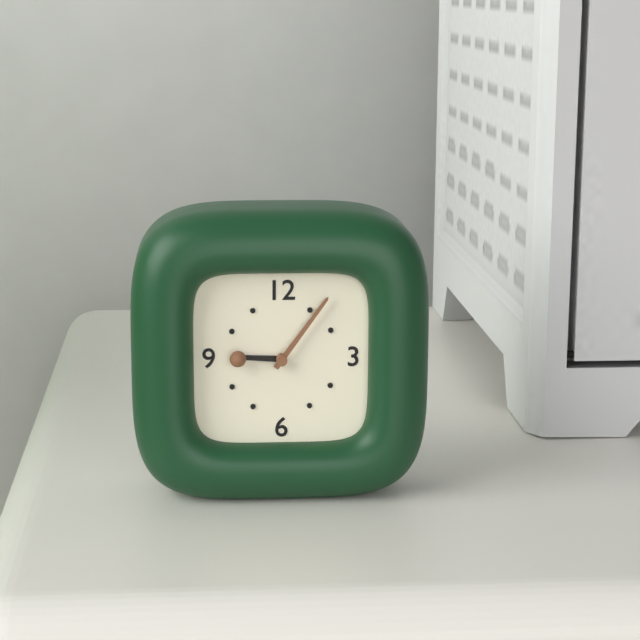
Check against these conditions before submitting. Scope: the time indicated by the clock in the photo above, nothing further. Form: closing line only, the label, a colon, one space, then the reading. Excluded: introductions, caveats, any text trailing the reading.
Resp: 9:06
